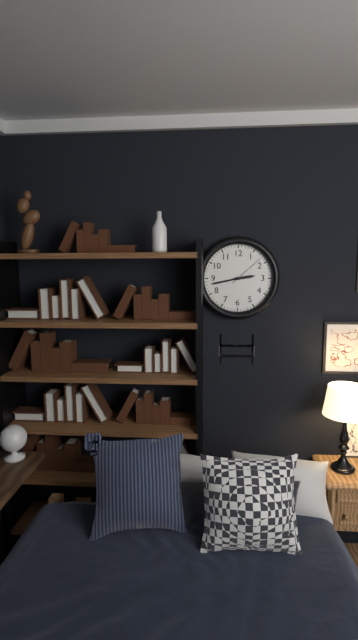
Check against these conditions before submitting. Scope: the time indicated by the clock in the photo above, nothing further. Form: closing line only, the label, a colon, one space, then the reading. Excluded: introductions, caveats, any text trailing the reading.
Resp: 2:43
